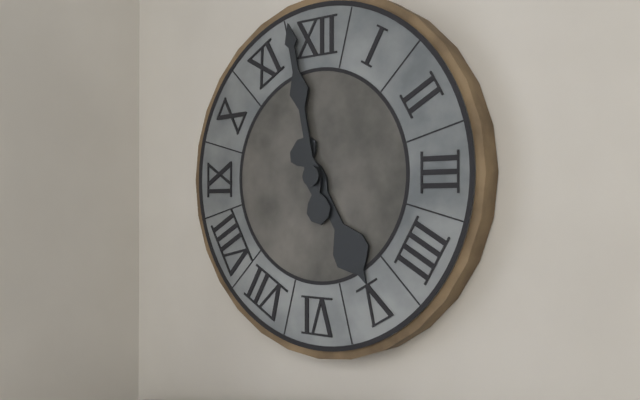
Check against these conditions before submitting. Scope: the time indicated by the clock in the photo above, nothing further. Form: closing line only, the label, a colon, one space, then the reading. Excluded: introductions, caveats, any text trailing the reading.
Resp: 4:58
